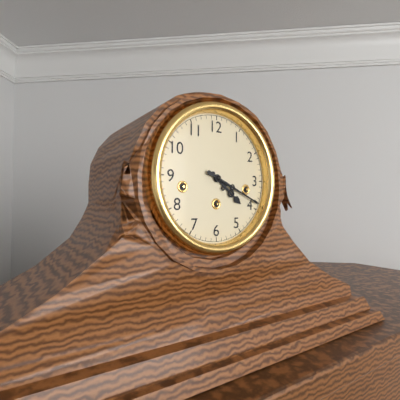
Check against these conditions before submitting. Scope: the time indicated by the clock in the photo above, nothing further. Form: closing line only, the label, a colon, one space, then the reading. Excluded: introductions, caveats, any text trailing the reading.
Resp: 4:19
